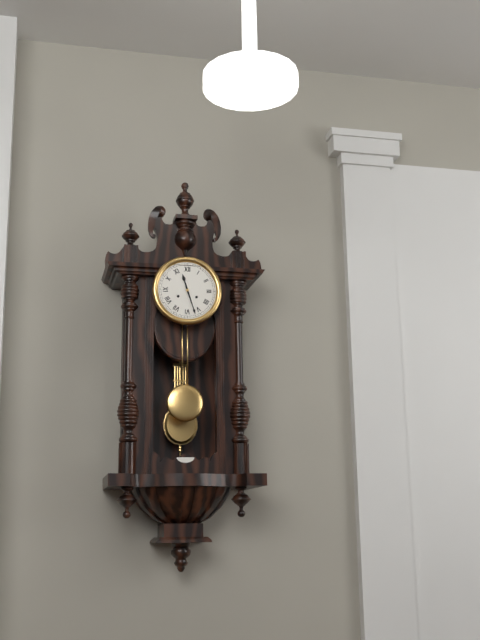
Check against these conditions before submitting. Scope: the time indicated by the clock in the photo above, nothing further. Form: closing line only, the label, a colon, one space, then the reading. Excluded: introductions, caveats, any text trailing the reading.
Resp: 11:27
